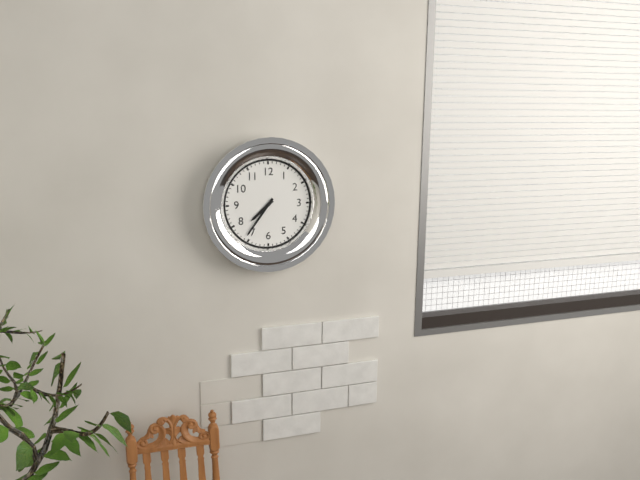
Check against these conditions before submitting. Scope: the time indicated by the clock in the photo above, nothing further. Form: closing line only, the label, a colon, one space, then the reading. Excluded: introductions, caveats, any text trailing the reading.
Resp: 7:36
